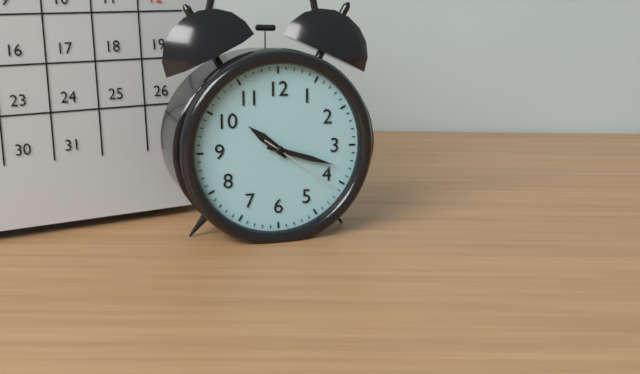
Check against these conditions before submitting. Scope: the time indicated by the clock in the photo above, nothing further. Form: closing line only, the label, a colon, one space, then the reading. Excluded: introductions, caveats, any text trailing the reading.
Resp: 10:18:21
